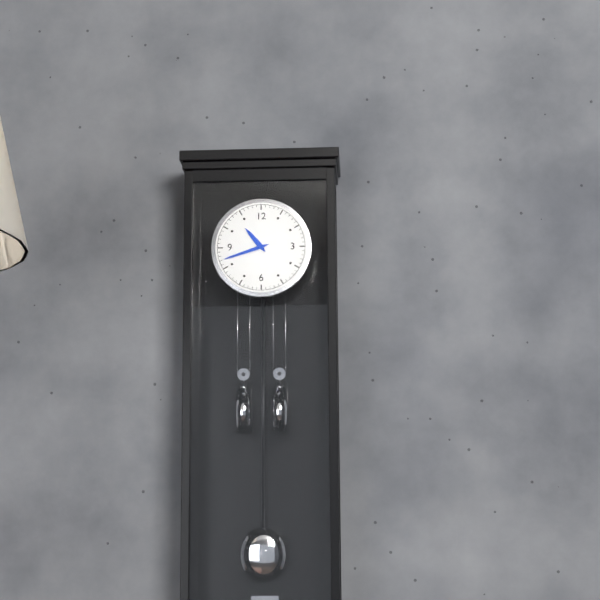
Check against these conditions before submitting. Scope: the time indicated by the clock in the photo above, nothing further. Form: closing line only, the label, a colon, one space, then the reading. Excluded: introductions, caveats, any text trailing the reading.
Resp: 10:42
